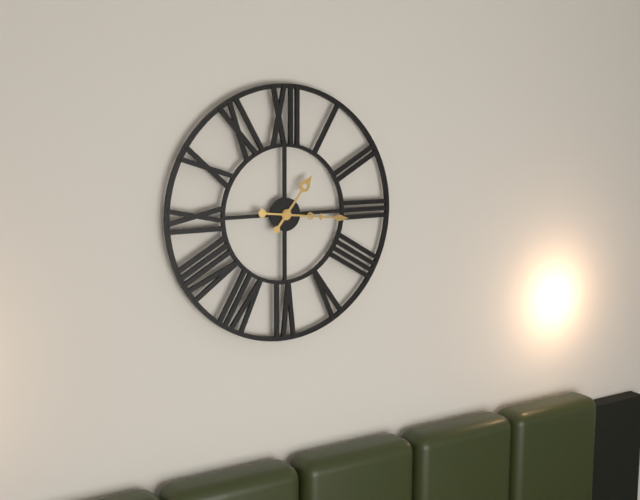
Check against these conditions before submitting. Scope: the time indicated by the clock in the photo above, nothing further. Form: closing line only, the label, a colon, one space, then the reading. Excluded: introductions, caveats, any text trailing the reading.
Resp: 1:16
